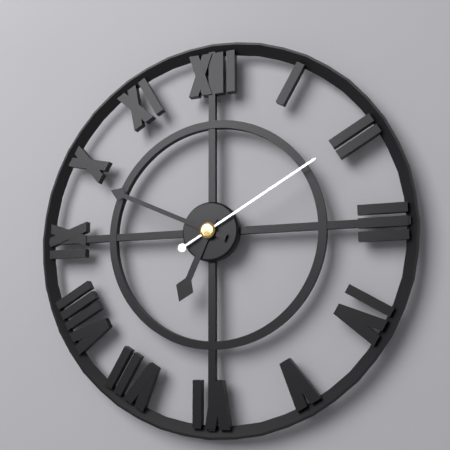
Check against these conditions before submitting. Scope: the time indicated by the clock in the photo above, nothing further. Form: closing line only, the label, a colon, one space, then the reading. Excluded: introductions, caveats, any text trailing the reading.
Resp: 6:49:10
